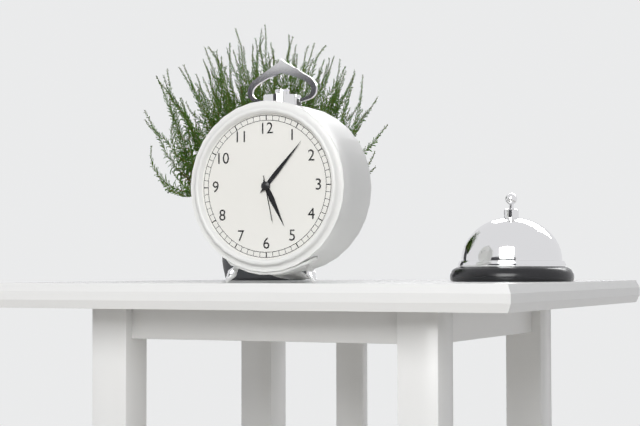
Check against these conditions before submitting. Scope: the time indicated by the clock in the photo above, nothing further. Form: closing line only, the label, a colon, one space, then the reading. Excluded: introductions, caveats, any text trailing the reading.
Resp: 5:07
